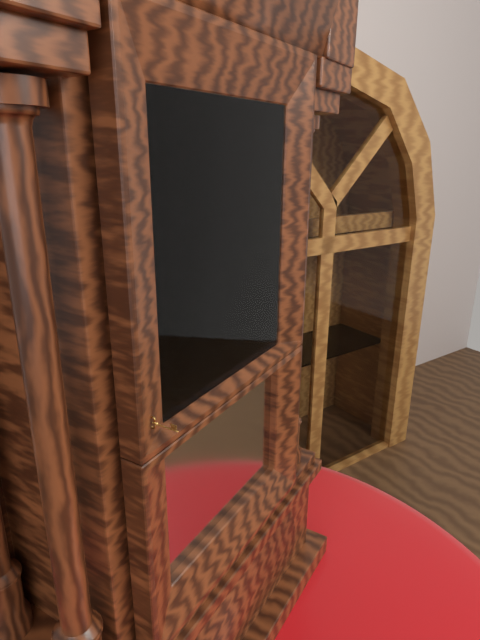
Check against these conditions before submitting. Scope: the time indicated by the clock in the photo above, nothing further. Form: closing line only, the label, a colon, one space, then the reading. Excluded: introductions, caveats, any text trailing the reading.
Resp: 11:55
